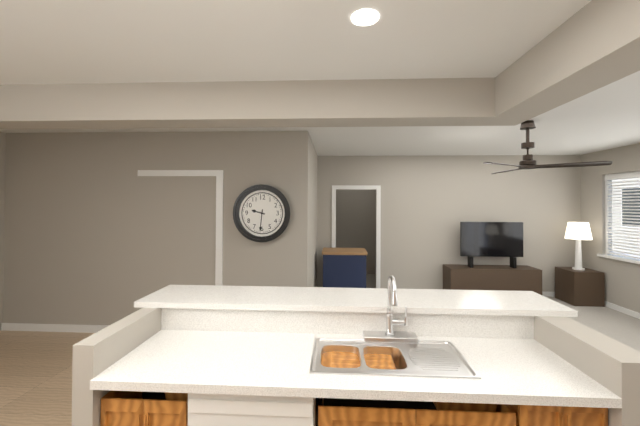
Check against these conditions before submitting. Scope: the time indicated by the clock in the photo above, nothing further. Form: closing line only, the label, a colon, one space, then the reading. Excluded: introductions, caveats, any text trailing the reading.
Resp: 9:31
